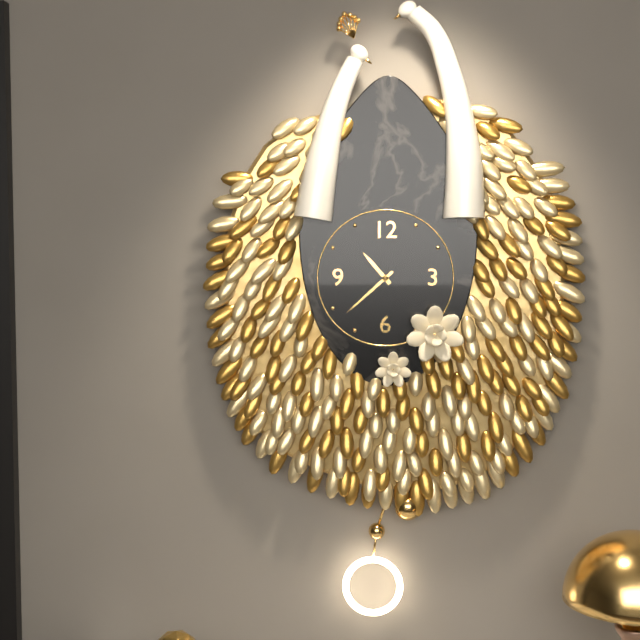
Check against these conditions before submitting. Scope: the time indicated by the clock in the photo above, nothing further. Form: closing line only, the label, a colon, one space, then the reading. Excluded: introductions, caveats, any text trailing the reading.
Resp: 10:38
